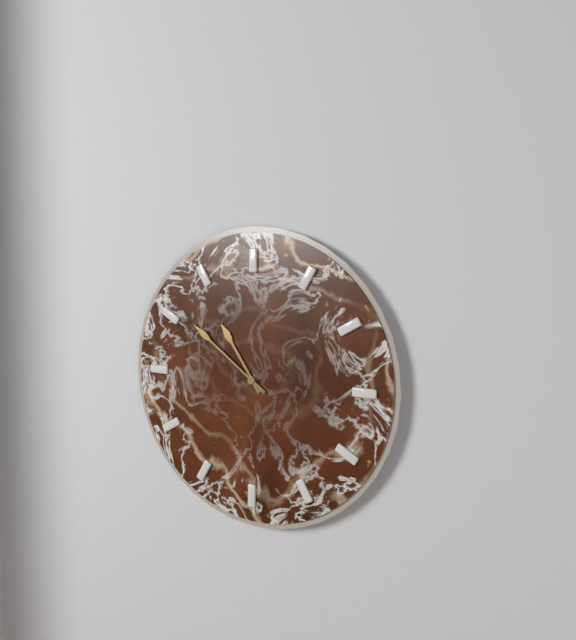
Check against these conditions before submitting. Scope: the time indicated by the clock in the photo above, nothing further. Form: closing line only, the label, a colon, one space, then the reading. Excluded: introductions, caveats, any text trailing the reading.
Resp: 10:51
